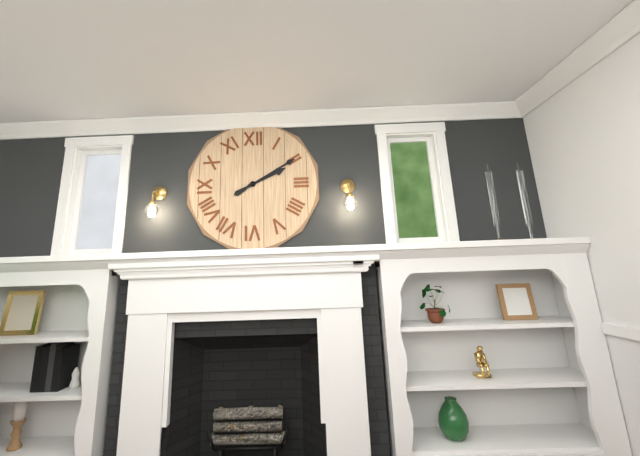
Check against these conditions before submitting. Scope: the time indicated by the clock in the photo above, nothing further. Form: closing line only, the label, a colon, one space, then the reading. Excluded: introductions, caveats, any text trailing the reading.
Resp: 2:10
